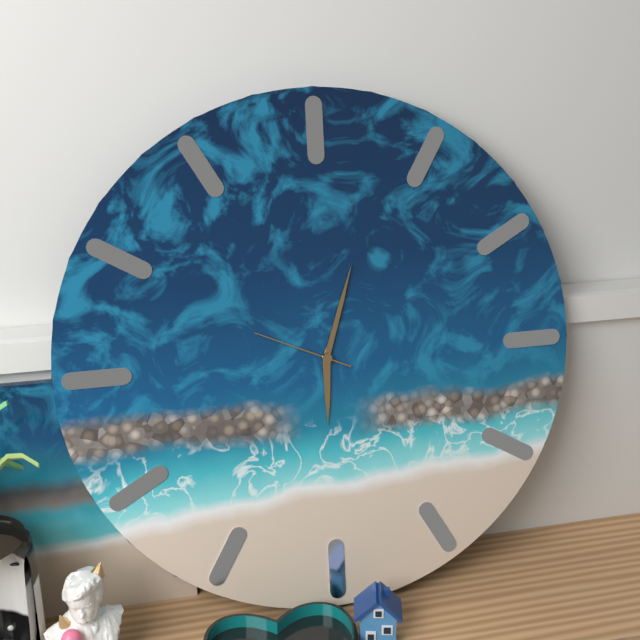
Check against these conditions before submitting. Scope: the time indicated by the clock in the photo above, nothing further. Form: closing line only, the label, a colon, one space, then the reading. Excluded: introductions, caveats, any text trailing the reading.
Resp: 6:03:49
